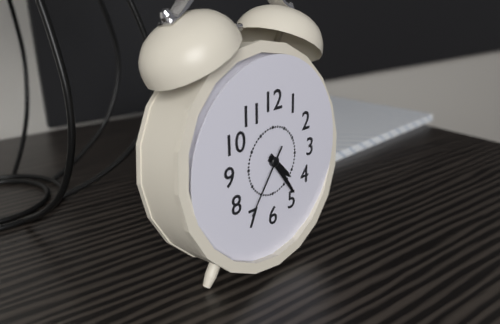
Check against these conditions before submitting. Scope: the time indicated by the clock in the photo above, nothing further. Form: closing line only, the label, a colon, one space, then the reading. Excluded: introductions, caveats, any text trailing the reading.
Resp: 4:24:36
